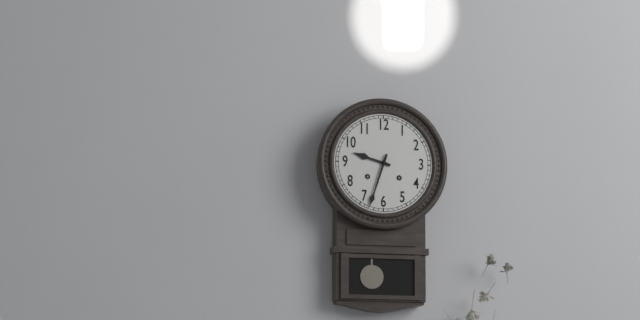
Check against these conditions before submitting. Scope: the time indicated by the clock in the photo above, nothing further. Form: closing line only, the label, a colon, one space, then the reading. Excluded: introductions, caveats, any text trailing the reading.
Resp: 9:33
